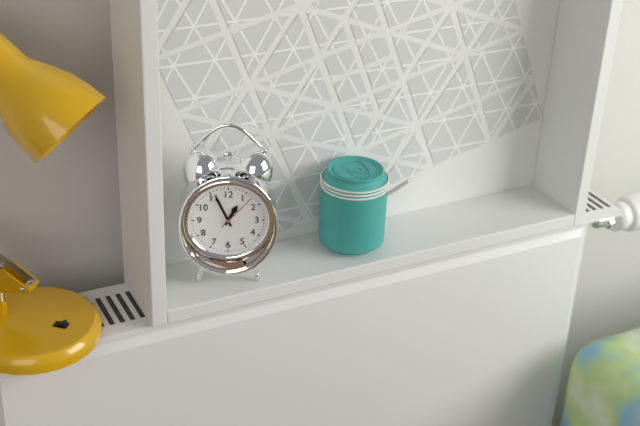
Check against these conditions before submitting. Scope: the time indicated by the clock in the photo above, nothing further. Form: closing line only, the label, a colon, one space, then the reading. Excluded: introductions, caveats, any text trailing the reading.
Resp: 12:56
